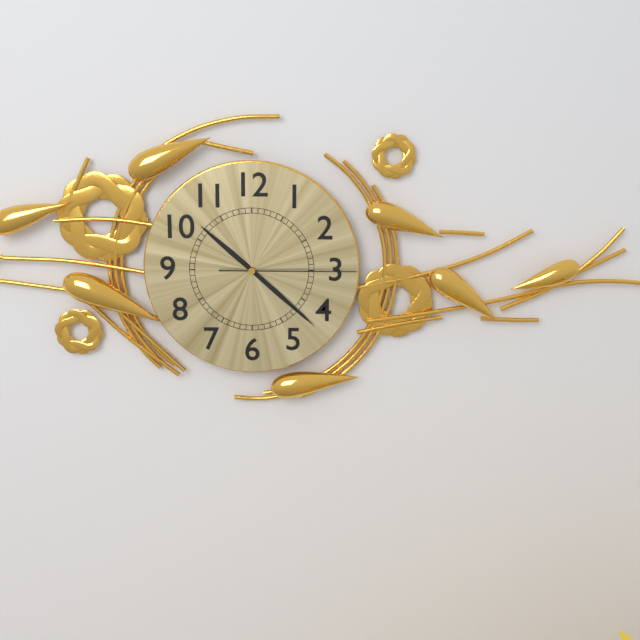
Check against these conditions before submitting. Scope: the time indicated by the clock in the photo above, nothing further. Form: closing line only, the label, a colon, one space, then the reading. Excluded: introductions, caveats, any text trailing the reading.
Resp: 10:22:15
